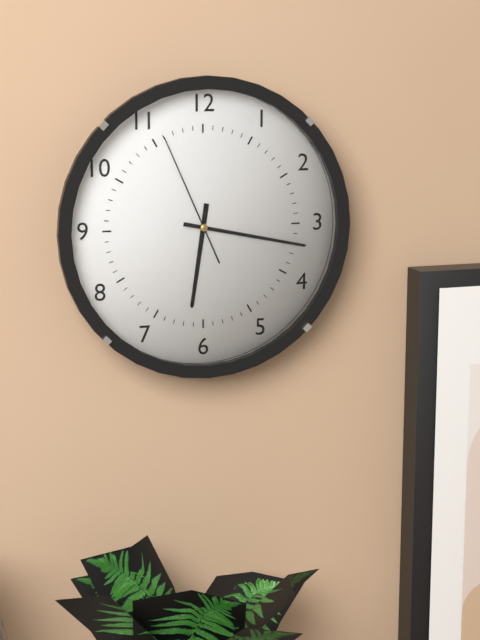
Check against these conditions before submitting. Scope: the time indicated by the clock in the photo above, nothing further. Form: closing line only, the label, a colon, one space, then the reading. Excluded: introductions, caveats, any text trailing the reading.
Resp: 6:17:56
